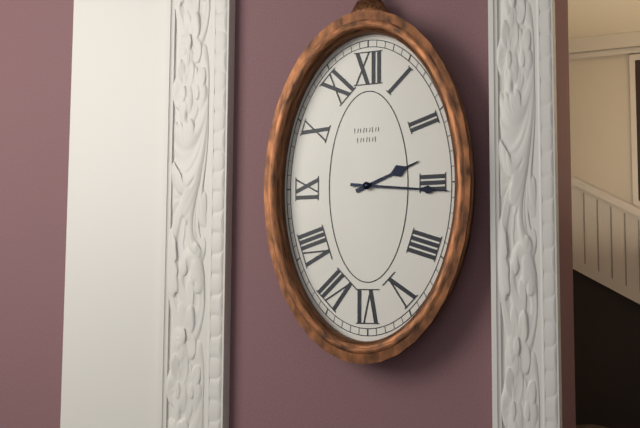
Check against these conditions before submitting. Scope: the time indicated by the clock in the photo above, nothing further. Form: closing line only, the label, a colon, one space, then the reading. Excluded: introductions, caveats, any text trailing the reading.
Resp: 2:16
